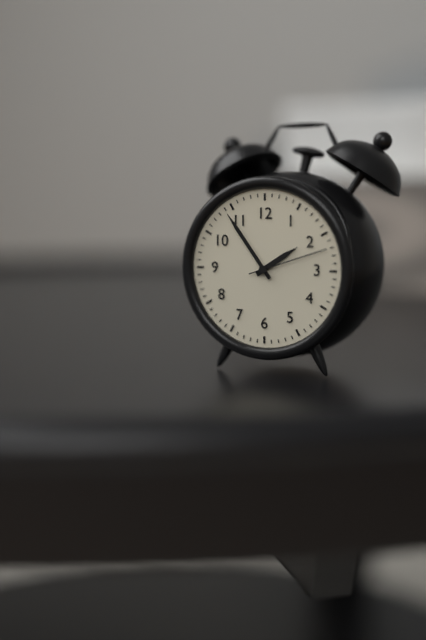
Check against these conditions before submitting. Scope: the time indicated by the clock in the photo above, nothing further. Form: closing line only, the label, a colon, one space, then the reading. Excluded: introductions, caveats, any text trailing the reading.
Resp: 1:54:12
